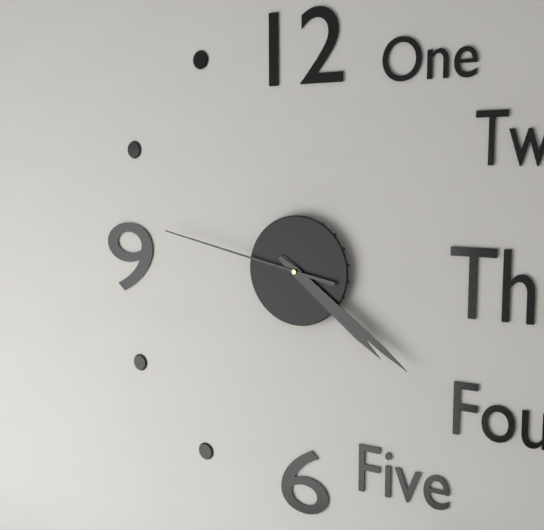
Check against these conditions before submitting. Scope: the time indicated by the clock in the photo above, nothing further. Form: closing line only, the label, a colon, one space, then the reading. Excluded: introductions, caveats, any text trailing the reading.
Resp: 4:21:47
